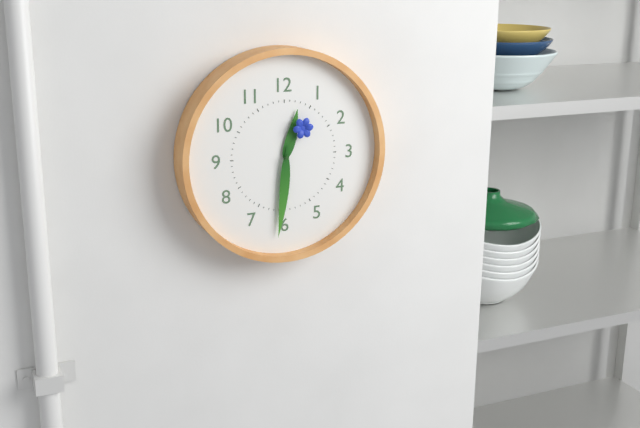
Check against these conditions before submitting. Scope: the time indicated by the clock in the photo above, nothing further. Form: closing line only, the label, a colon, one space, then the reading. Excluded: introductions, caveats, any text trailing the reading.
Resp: 12:31:05
